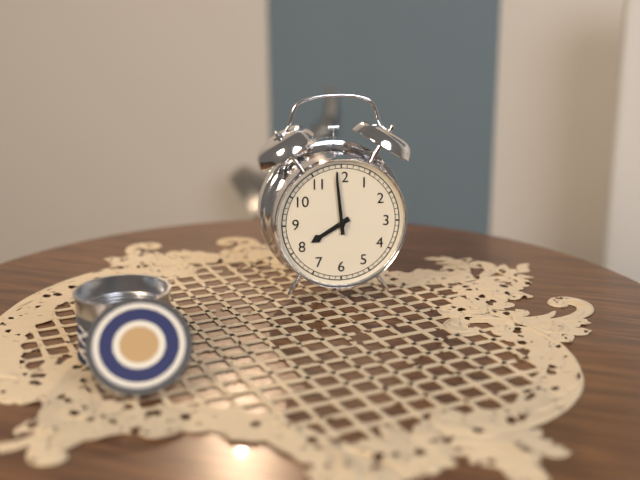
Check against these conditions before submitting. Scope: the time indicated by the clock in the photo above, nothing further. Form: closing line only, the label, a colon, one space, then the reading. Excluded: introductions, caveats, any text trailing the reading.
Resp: 7:59
